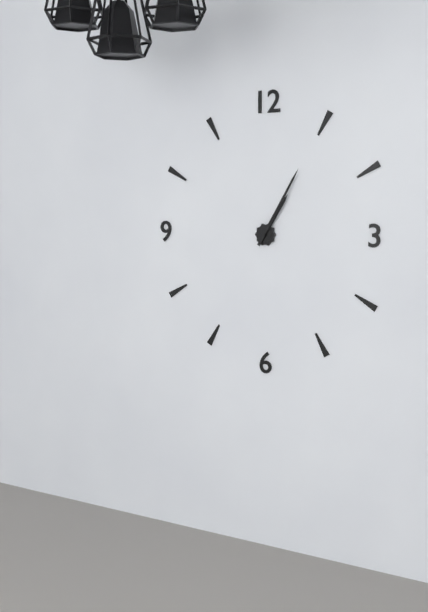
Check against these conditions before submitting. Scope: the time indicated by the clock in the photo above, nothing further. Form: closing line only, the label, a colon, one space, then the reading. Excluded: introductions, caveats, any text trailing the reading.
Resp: 1:05
